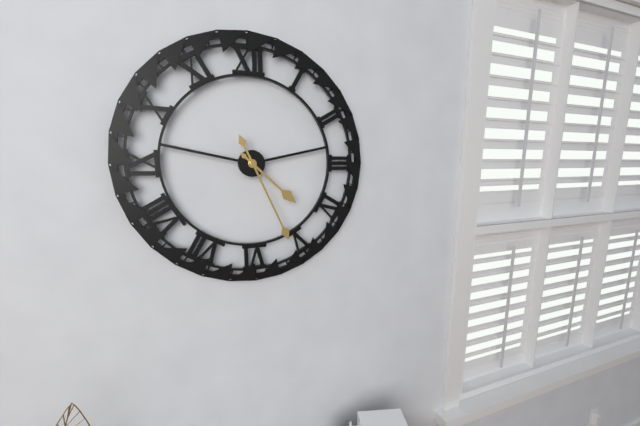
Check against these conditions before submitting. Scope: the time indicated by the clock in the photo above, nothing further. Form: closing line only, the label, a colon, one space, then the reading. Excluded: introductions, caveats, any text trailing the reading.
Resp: 4:26
